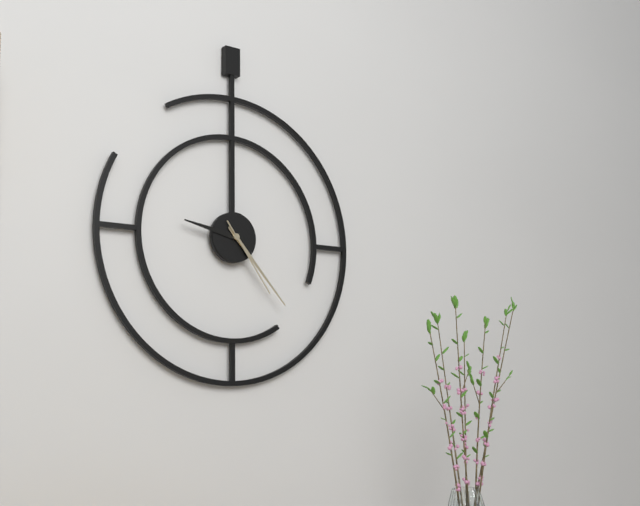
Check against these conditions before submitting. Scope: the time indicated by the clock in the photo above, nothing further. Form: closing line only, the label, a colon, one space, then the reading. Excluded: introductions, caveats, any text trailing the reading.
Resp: 9:23:24
